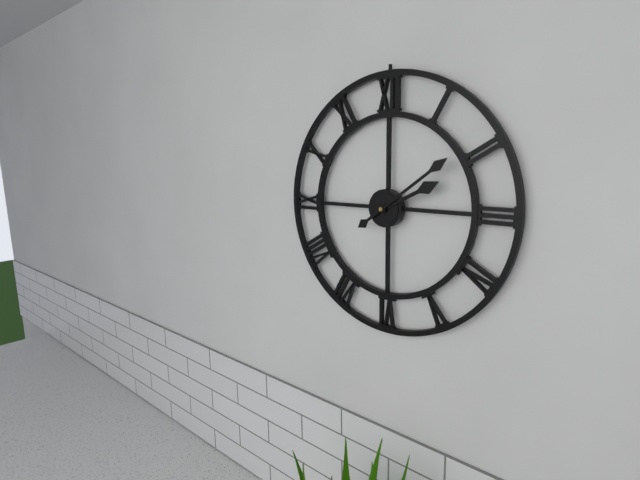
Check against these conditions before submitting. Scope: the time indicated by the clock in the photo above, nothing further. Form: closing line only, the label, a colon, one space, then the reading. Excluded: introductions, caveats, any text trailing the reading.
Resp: 2:09
